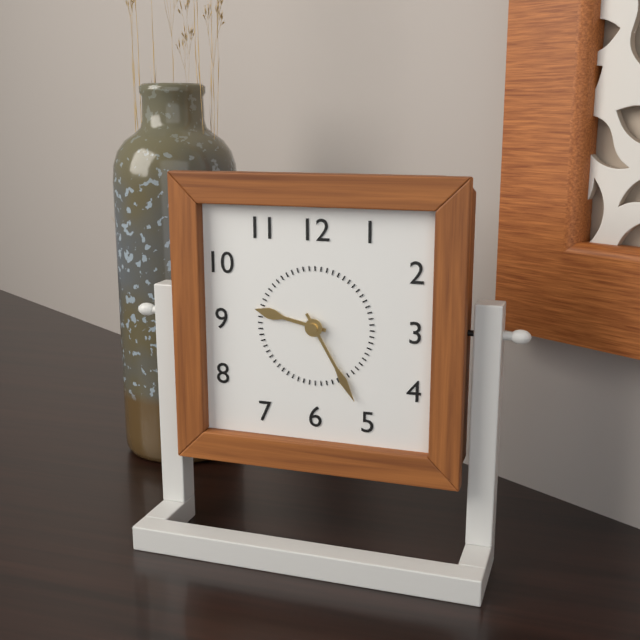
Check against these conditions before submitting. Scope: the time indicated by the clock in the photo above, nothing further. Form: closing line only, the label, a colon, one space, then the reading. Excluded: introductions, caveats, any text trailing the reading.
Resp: 9:25
